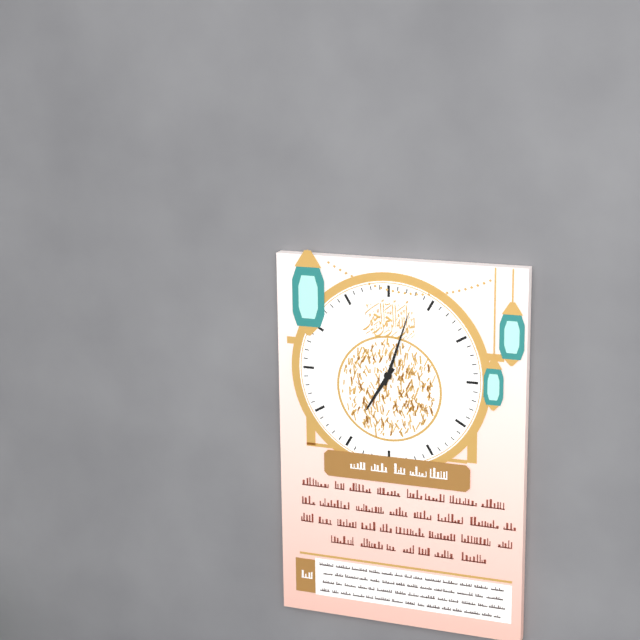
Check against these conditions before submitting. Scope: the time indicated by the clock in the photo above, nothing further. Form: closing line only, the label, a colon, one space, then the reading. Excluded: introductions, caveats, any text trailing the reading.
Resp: 7:03
